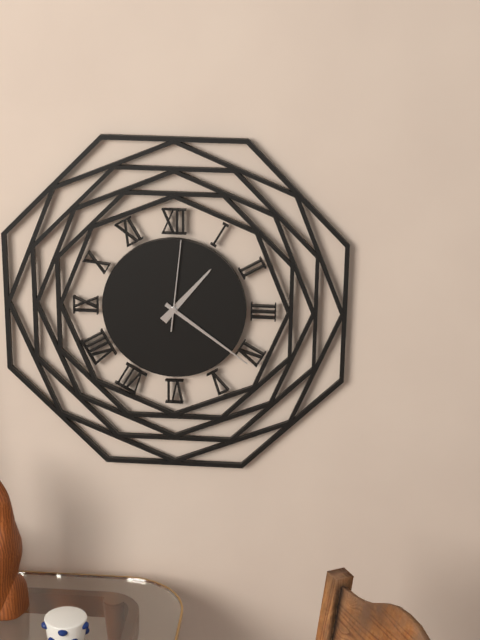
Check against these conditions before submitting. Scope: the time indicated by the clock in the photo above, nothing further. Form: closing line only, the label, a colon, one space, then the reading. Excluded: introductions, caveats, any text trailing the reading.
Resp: 1:21:01
